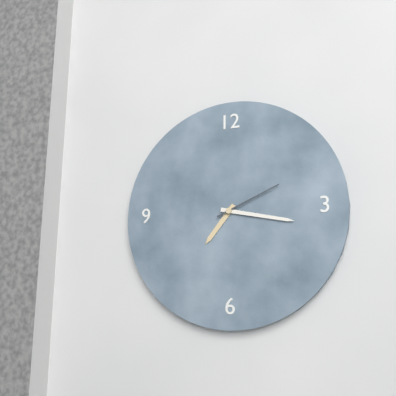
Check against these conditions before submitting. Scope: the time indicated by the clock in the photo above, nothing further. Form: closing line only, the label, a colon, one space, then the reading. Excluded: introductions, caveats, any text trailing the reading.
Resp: 7:17:11
